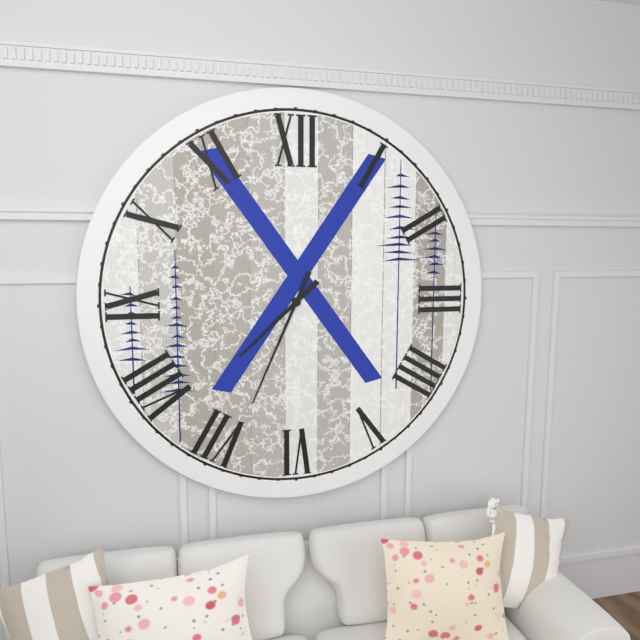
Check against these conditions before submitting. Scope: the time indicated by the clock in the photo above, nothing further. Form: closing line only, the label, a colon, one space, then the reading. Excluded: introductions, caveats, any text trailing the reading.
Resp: 7:34
